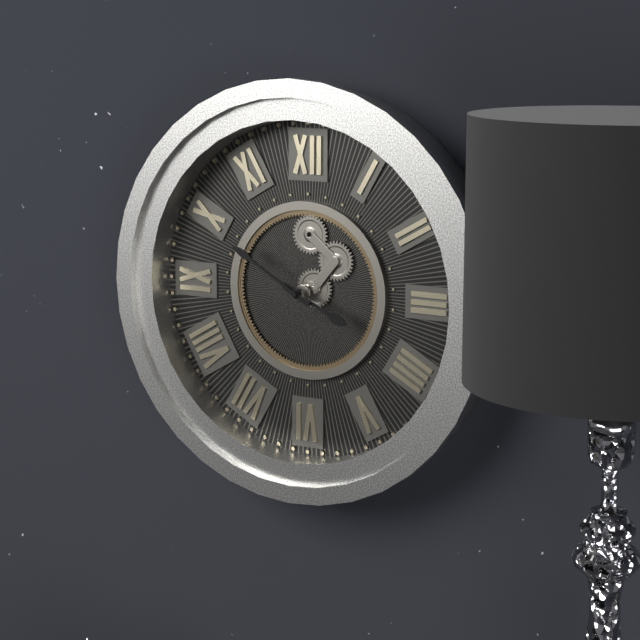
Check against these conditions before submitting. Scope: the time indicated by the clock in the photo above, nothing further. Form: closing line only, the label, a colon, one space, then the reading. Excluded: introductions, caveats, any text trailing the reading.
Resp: 3:50
